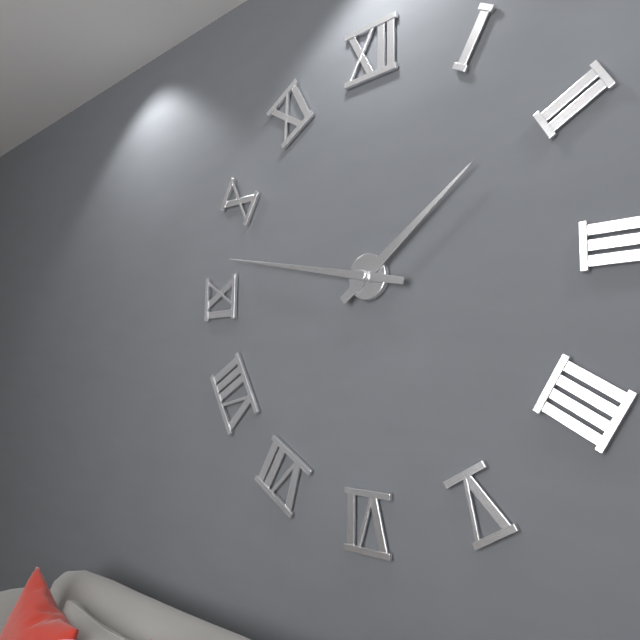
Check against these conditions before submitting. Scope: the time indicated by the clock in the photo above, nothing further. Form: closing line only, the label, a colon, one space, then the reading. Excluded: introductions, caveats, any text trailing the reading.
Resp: 1:47
